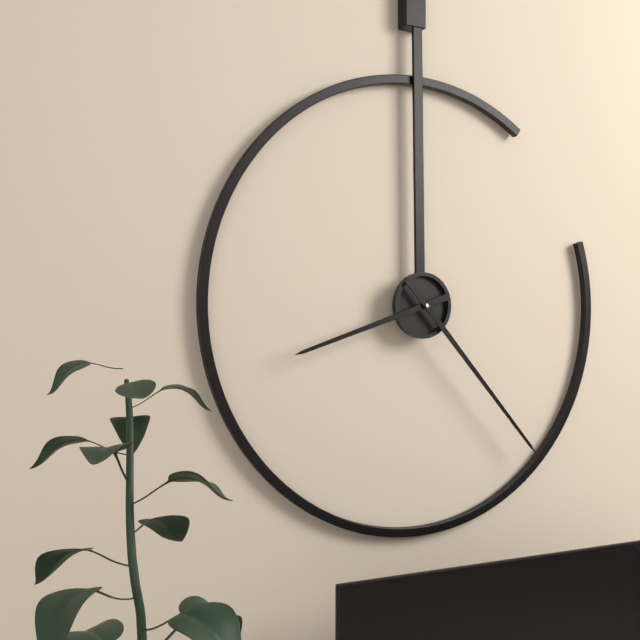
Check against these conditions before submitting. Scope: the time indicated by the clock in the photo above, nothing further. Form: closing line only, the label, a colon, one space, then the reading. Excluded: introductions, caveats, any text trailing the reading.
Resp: 8:23
